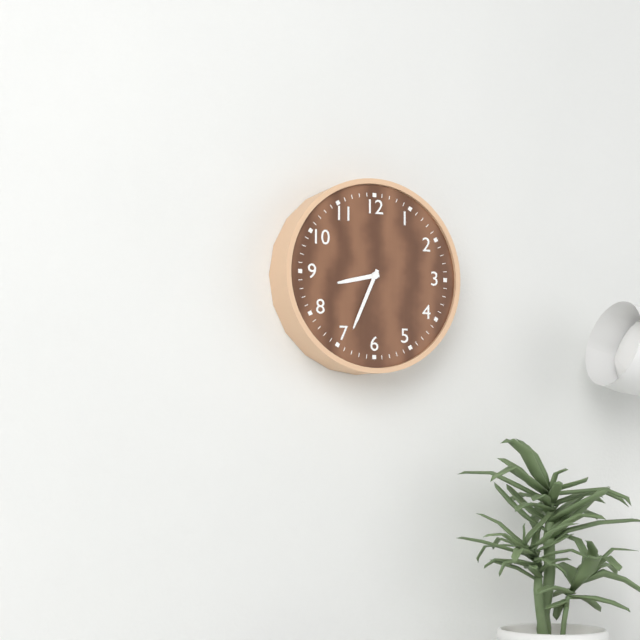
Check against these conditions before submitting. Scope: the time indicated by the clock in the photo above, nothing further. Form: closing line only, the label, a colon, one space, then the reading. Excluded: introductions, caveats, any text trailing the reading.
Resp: 8:34
